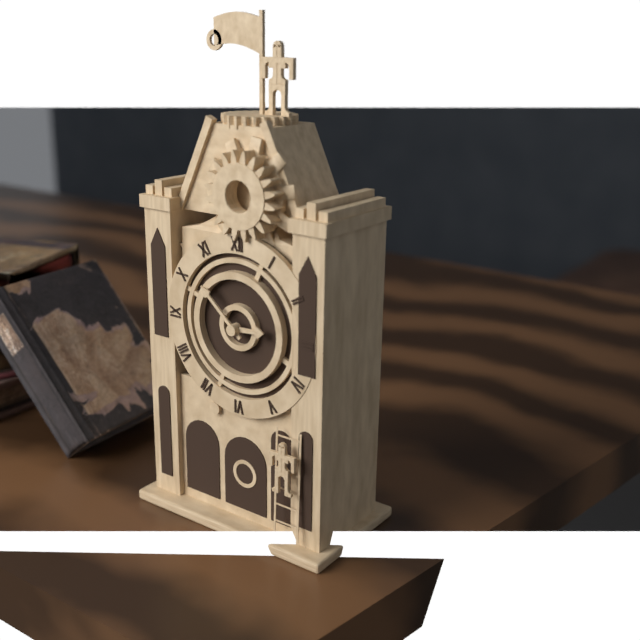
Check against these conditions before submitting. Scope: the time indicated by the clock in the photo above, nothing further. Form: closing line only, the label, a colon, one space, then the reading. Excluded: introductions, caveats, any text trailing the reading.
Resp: 2:52
